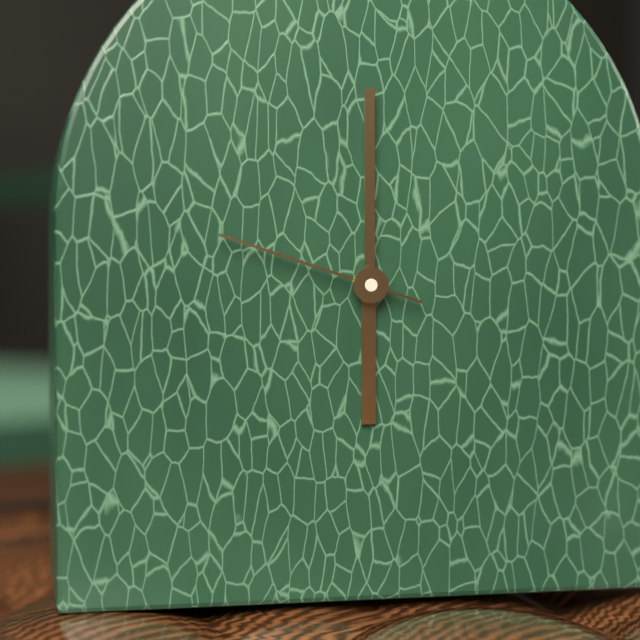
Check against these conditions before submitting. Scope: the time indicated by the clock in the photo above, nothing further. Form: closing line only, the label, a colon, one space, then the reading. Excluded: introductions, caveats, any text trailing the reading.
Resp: 6:00:48
